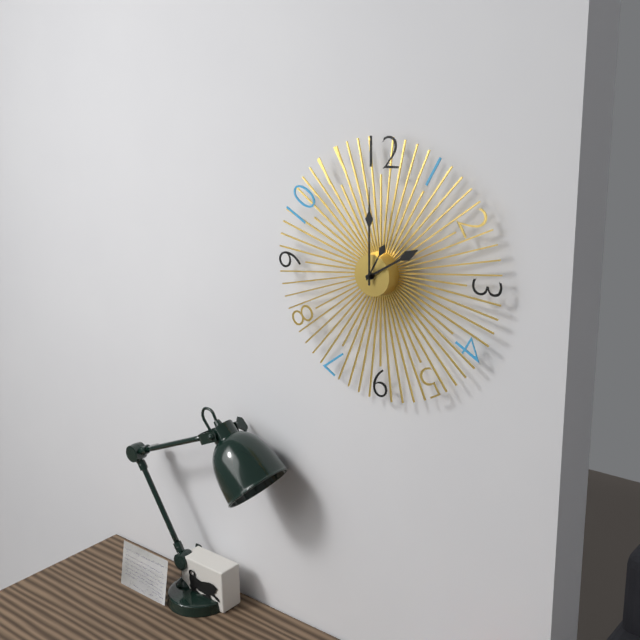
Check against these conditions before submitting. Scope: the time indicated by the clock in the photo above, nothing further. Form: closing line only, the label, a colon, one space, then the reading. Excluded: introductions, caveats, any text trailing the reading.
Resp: 2:00
